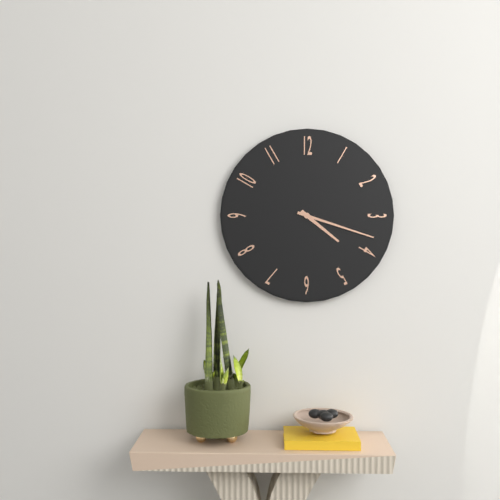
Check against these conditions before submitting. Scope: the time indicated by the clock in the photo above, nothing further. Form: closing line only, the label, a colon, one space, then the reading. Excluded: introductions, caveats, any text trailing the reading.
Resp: 4:18
